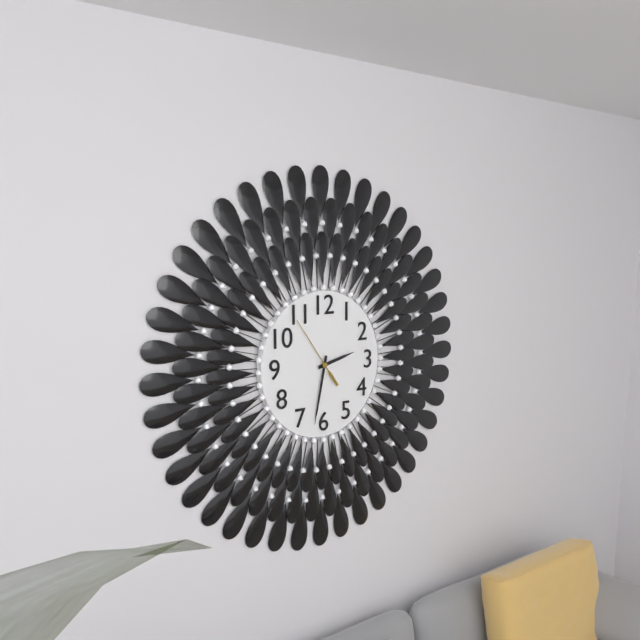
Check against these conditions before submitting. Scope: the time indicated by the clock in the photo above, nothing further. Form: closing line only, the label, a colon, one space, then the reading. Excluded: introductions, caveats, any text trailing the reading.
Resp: 2:32:54
